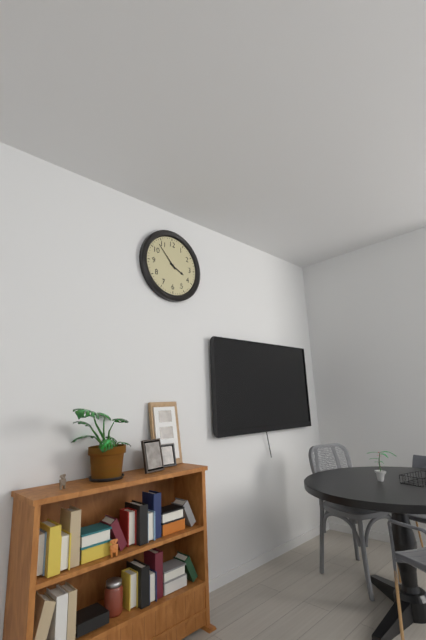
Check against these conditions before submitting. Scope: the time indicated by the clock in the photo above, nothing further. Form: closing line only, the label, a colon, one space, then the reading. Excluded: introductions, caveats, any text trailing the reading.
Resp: 3:53
